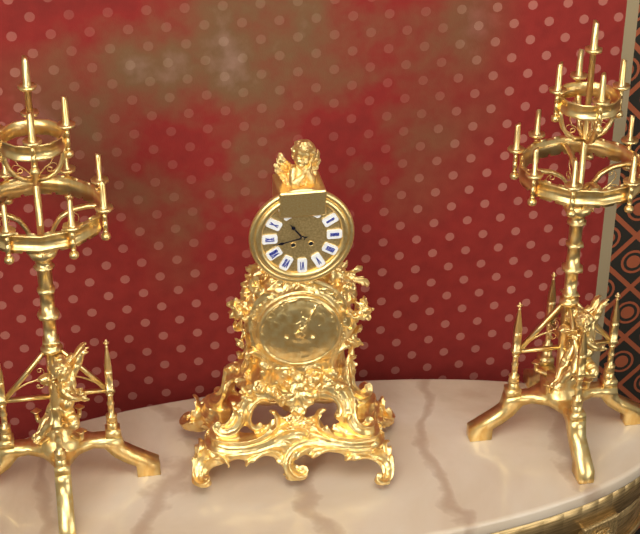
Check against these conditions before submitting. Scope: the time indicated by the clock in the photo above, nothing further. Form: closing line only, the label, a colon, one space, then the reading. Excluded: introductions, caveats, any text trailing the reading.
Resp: 10:43
